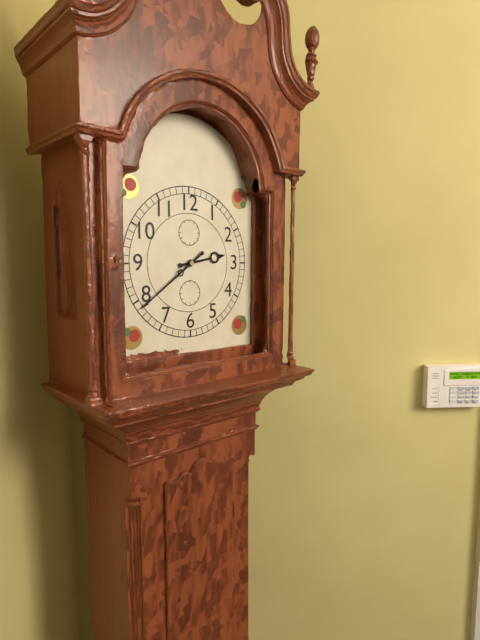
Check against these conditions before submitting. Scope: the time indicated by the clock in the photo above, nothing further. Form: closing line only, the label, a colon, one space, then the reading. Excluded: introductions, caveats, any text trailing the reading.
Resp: 2:39
